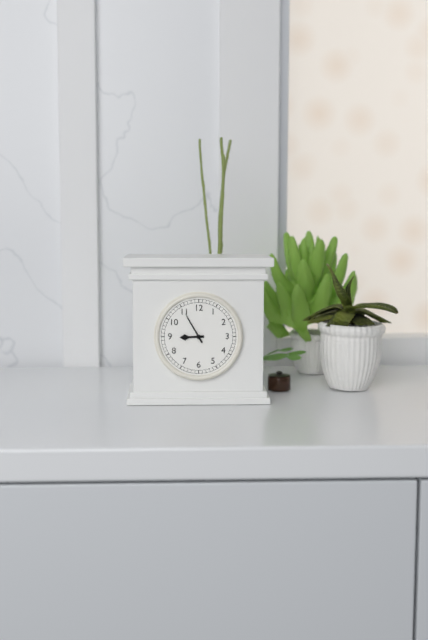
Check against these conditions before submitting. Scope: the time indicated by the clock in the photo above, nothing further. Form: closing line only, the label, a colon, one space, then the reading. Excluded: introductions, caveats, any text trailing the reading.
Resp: 8:55
